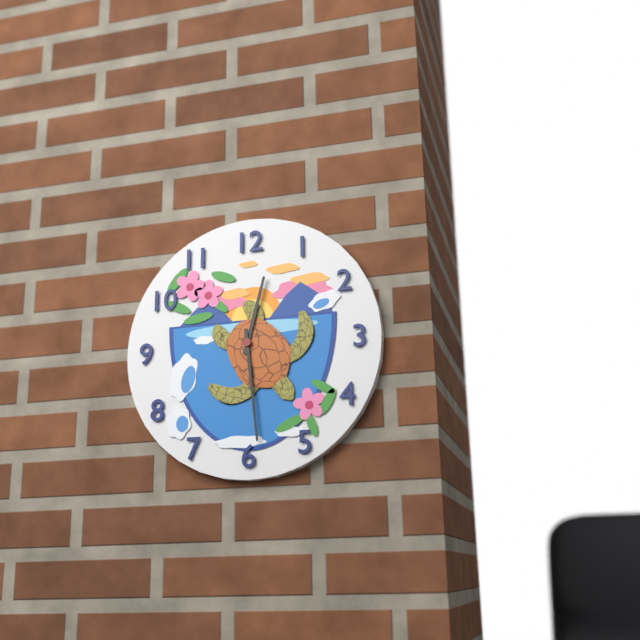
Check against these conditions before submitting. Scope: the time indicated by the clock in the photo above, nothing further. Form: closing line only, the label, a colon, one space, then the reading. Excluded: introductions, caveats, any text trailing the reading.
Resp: 12:29
